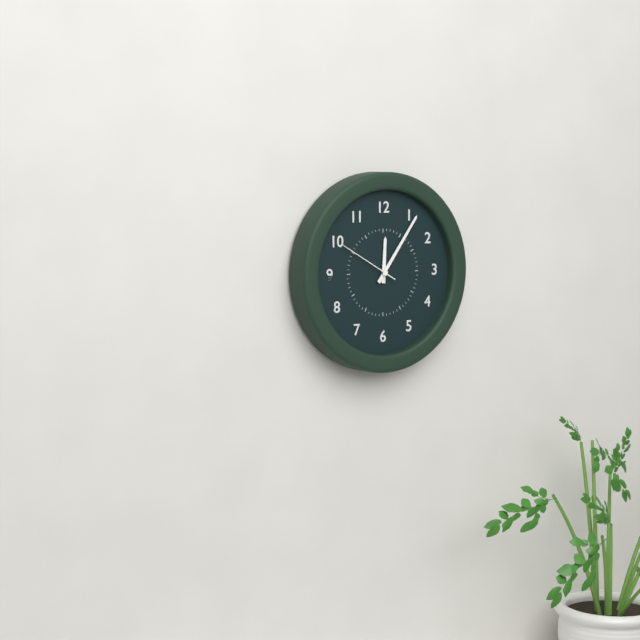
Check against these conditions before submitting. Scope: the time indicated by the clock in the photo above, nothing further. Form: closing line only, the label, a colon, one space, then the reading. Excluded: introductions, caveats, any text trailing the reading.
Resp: 12:06:50
